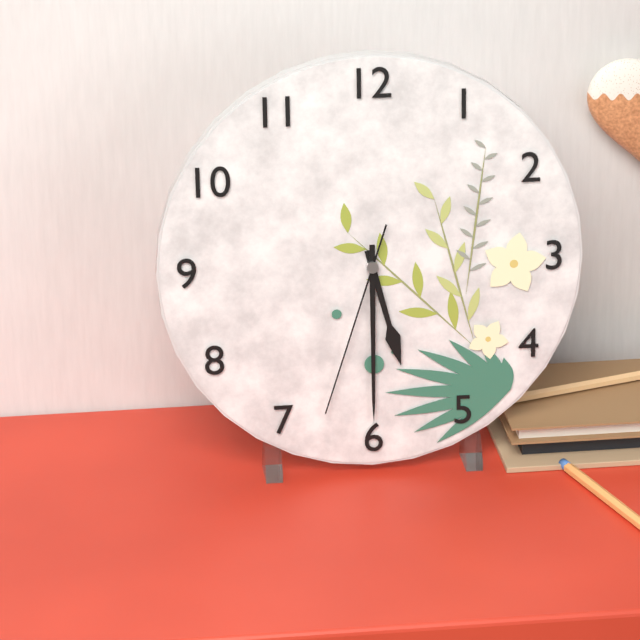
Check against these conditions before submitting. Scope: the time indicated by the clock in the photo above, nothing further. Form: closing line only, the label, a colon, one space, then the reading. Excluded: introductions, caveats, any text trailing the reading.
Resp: 5:30:33
